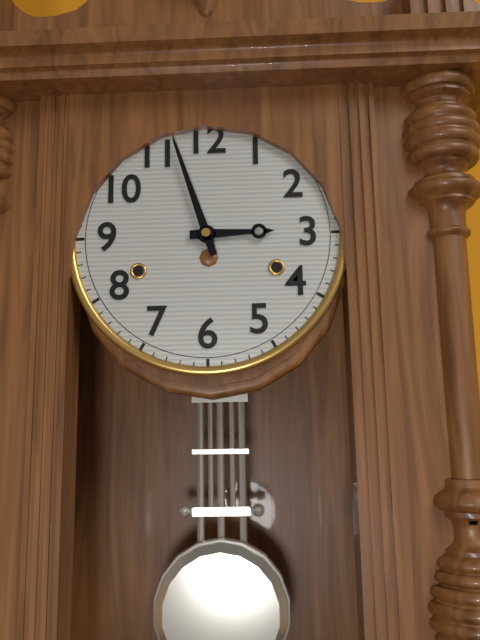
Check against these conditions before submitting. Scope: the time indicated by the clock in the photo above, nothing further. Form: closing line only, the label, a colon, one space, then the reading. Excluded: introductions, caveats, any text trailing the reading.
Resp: 2:57
